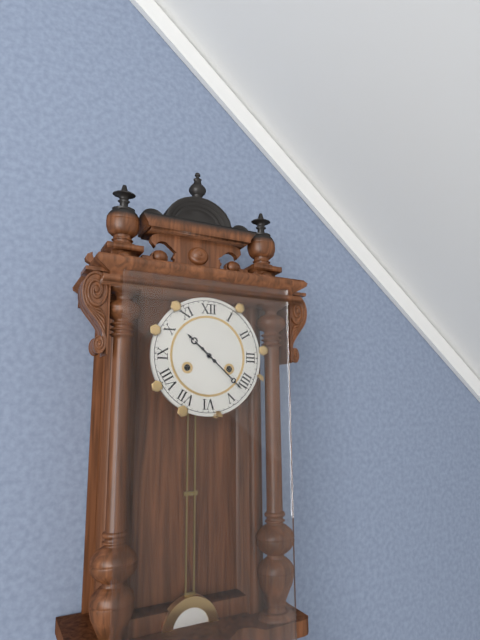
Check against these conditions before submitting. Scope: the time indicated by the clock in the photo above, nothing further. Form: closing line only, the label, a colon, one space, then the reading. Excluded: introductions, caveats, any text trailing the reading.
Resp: 10:22
